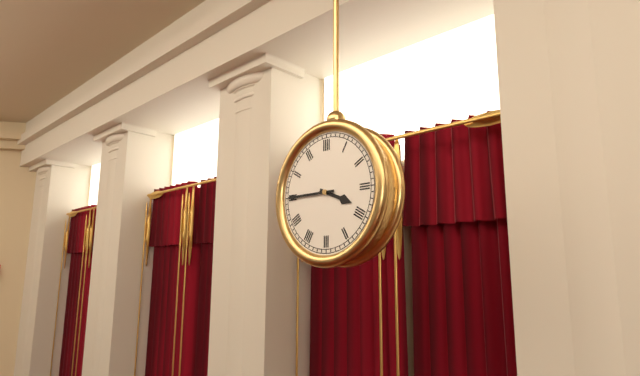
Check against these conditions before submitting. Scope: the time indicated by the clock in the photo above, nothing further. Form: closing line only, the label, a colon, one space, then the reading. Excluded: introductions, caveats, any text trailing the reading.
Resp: 3:45
